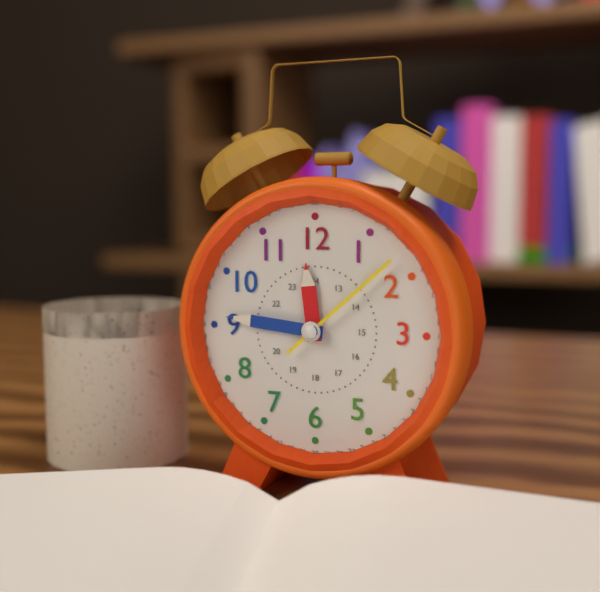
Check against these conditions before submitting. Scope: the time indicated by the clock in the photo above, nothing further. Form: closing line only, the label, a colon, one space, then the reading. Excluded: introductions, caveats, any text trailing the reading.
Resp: 11:46:08
